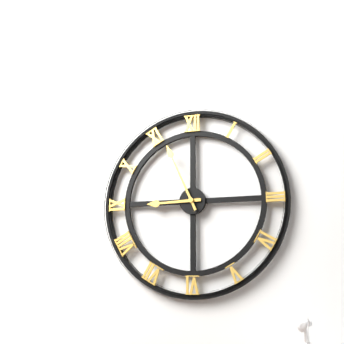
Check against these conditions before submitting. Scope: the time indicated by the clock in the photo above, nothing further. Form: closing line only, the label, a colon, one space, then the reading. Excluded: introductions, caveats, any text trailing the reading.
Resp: 8:56
